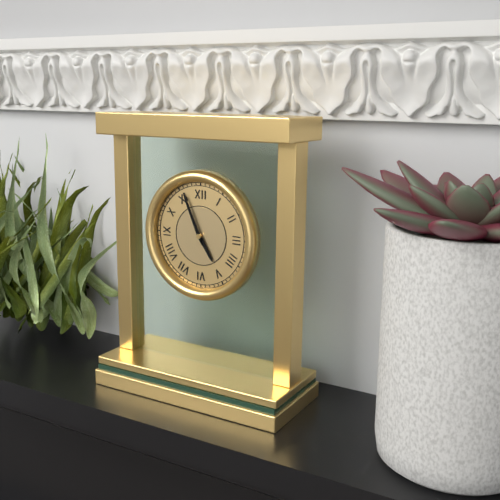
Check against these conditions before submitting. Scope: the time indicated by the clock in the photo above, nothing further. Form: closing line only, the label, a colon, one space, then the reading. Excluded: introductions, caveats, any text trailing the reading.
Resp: 4:56
